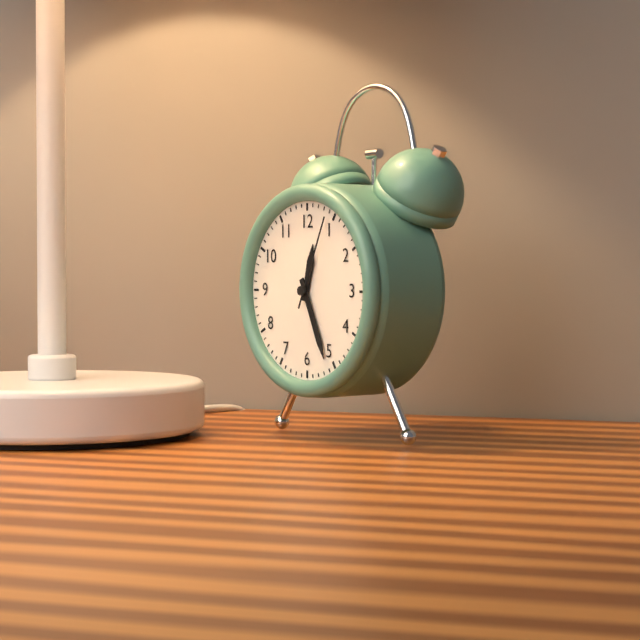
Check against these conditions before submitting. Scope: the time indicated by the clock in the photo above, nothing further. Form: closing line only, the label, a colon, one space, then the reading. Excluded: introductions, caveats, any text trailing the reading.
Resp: 12:26:04
